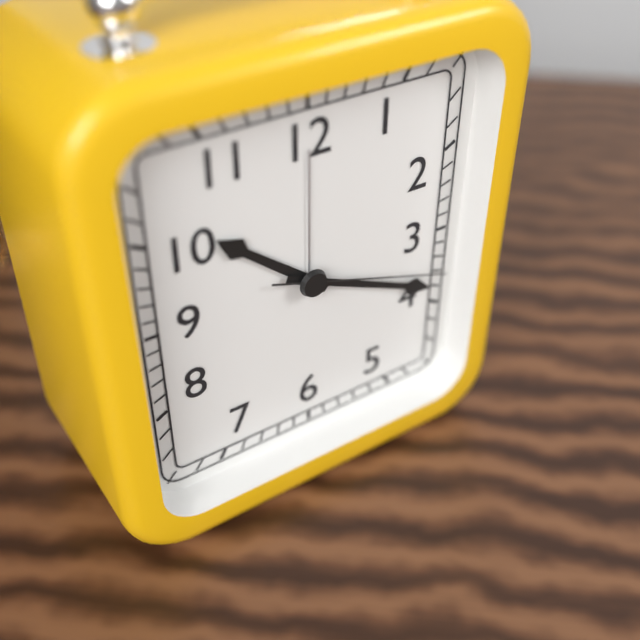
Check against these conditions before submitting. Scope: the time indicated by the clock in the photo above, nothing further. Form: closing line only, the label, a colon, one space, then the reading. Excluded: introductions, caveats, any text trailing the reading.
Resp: 10:19:18
